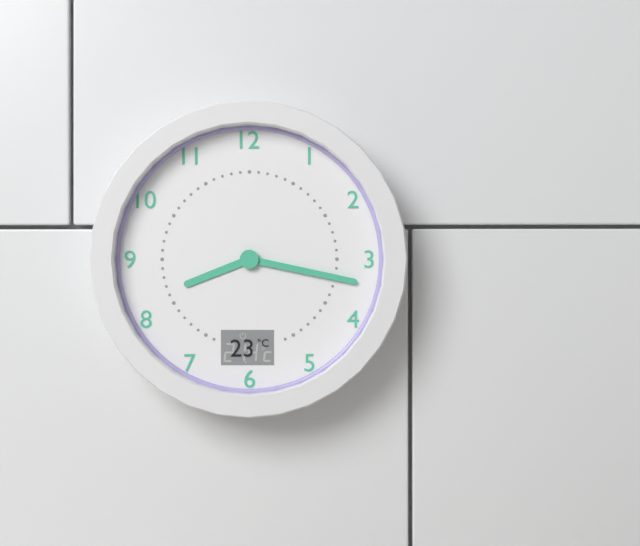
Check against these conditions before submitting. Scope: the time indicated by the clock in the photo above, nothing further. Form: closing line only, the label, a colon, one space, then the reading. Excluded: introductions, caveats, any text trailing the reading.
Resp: 8:17
